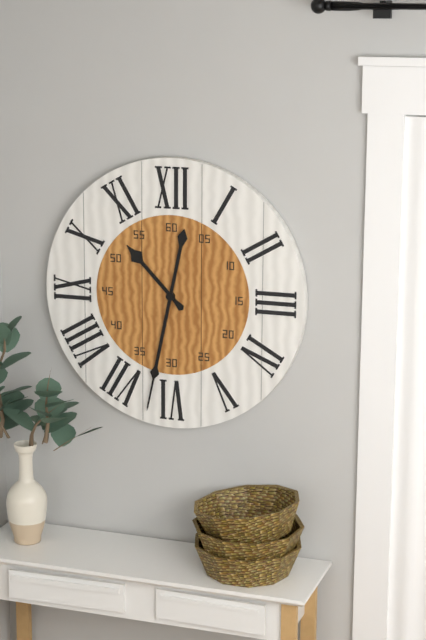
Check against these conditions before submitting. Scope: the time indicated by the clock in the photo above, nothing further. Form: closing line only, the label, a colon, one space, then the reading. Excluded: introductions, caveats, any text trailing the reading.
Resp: 10:32
